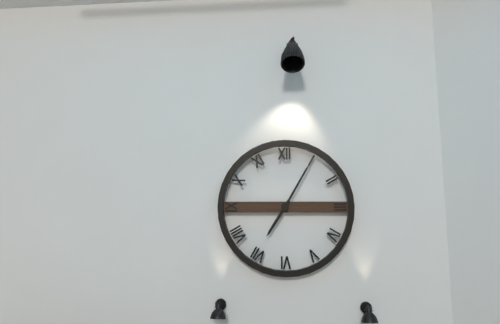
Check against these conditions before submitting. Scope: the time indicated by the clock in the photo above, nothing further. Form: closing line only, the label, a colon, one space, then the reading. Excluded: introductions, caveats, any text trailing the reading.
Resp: 7:05
